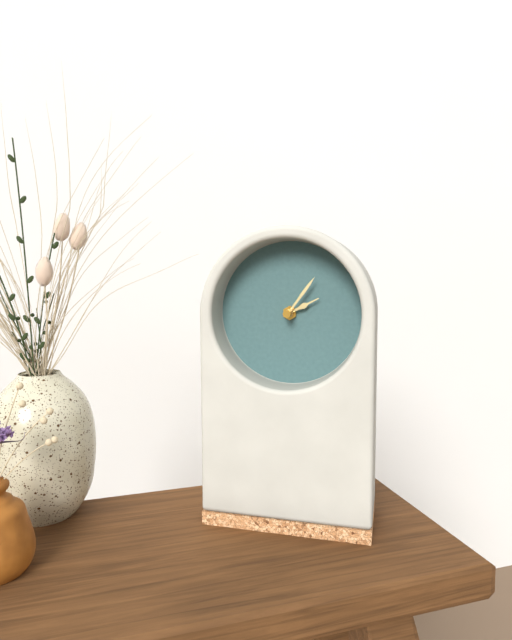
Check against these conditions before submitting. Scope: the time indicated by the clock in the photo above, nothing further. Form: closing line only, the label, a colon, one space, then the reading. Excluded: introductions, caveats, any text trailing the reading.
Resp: 2:06
